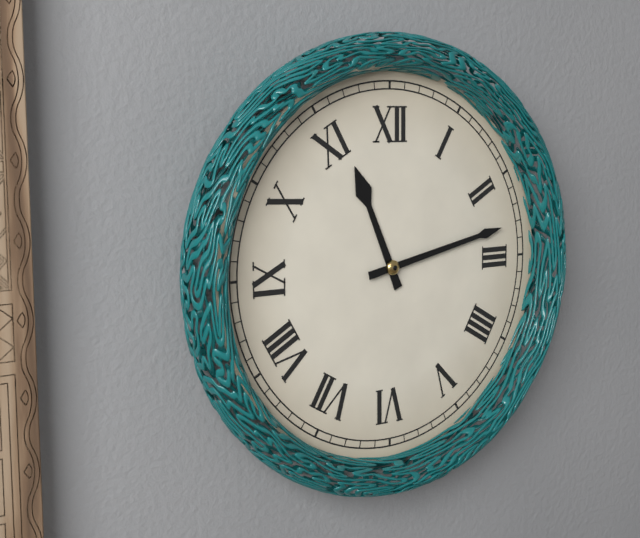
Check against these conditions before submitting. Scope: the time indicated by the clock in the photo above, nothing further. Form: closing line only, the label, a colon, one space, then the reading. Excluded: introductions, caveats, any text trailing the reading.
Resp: 11:13
